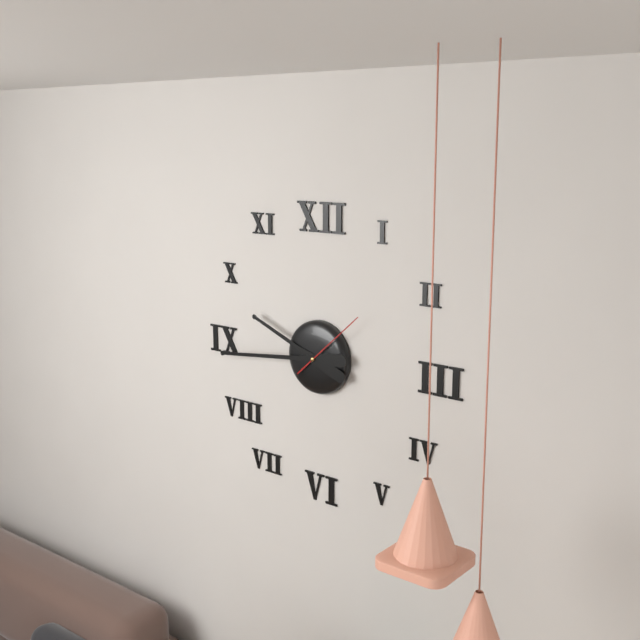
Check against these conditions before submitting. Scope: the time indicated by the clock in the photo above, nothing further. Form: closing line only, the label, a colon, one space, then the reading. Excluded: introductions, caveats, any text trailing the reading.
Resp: 9:44:08
